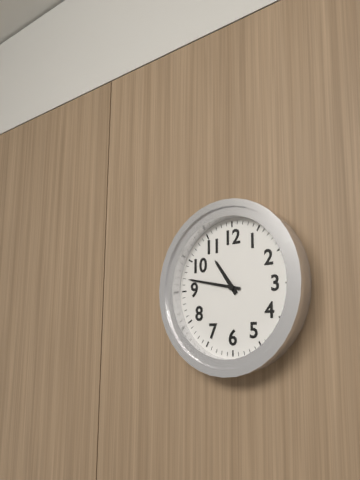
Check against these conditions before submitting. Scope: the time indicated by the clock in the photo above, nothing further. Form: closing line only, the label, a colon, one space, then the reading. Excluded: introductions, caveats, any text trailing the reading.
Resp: 10:47
